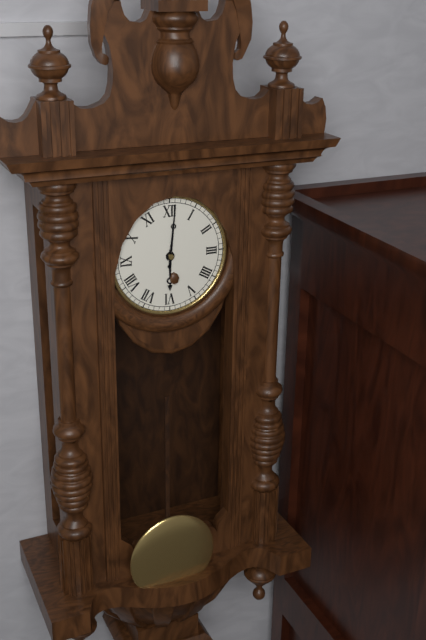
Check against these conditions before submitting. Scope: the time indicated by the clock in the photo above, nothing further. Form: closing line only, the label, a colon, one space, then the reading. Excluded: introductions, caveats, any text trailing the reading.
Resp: 6:01
